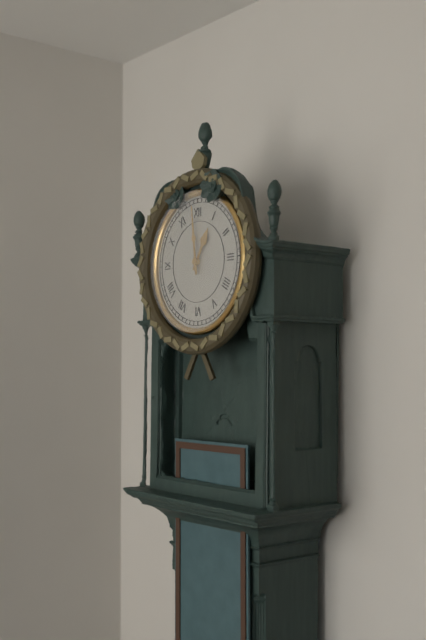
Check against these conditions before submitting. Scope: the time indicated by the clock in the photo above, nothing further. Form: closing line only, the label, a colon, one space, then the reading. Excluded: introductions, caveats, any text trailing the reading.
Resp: 12:59
